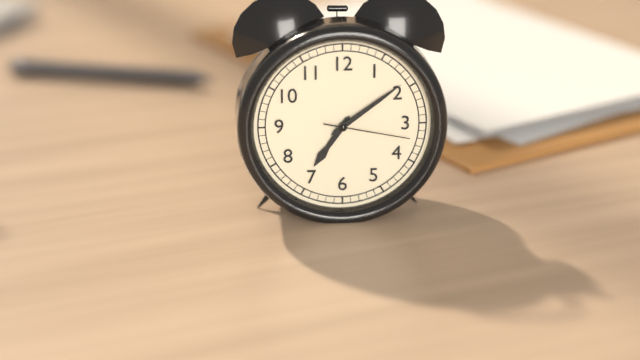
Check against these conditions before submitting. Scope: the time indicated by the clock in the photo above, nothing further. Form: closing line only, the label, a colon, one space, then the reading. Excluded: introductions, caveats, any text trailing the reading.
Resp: 7:09:17
